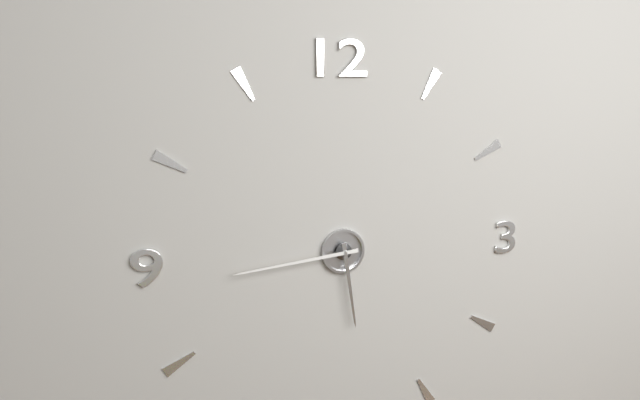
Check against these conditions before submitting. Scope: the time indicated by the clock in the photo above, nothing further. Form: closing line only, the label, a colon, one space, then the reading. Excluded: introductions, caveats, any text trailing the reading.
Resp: 5:44
